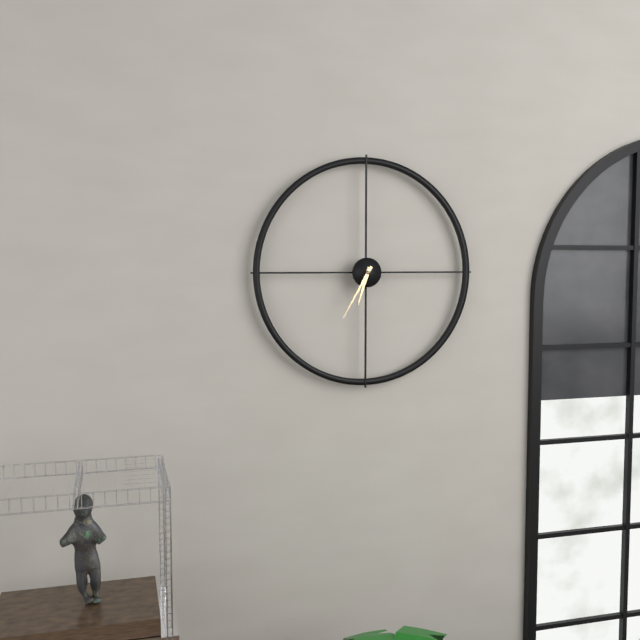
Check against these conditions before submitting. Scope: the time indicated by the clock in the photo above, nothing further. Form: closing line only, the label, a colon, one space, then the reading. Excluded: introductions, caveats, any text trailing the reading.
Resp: 6:35
